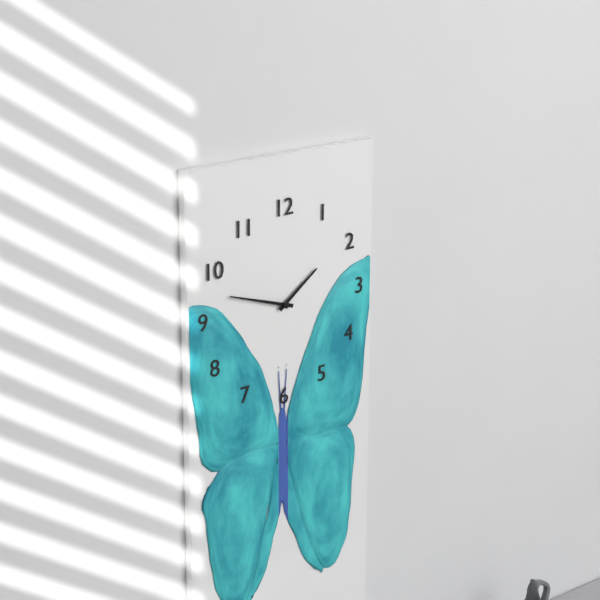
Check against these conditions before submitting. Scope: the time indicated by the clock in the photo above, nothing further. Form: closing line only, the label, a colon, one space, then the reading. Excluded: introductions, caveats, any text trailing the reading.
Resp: 1:48
